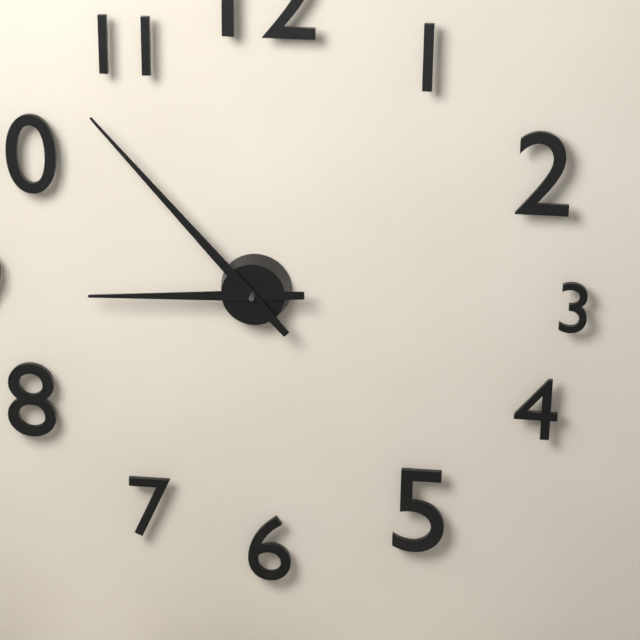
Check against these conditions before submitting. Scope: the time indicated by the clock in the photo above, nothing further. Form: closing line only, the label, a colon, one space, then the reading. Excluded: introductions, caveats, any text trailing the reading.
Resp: 8:53
